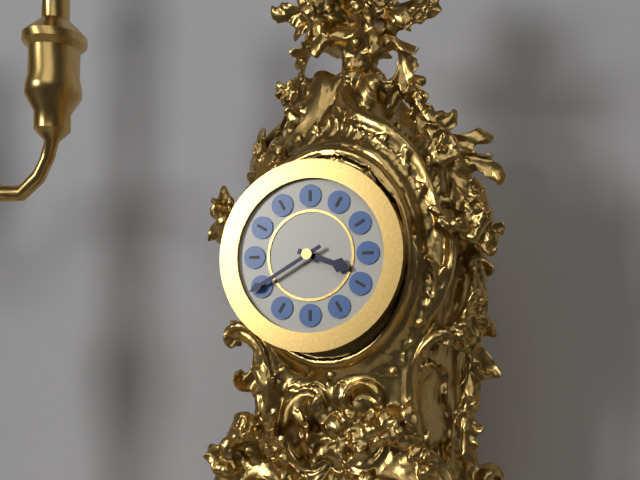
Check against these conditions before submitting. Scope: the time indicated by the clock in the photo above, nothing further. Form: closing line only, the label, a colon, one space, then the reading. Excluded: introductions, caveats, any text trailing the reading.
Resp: 3:40
